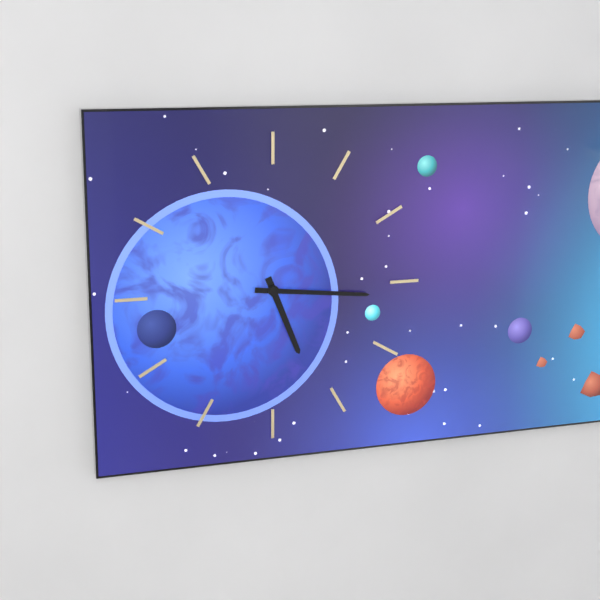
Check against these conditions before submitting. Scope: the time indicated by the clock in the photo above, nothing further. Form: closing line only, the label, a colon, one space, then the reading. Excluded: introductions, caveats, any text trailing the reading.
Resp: 5:16
